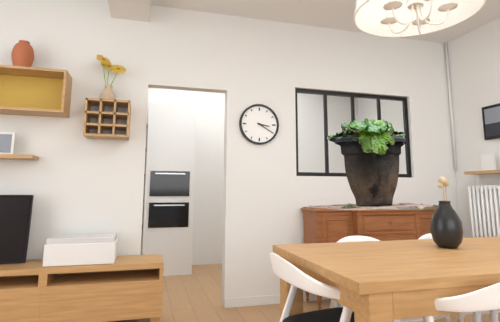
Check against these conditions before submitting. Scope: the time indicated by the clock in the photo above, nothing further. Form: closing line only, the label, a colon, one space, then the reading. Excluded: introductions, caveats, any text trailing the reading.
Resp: 3:20
